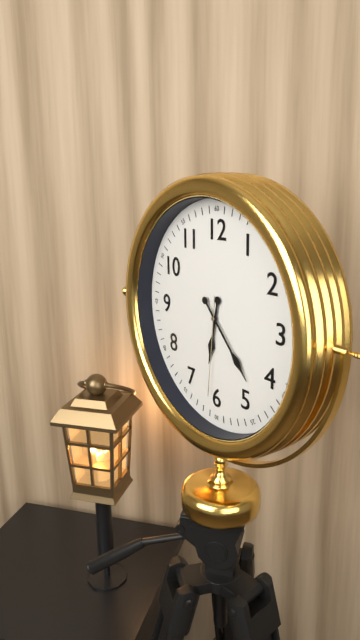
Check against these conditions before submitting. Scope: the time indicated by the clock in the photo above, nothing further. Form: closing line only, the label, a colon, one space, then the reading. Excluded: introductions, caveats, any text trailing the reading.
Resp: 6:23:31
